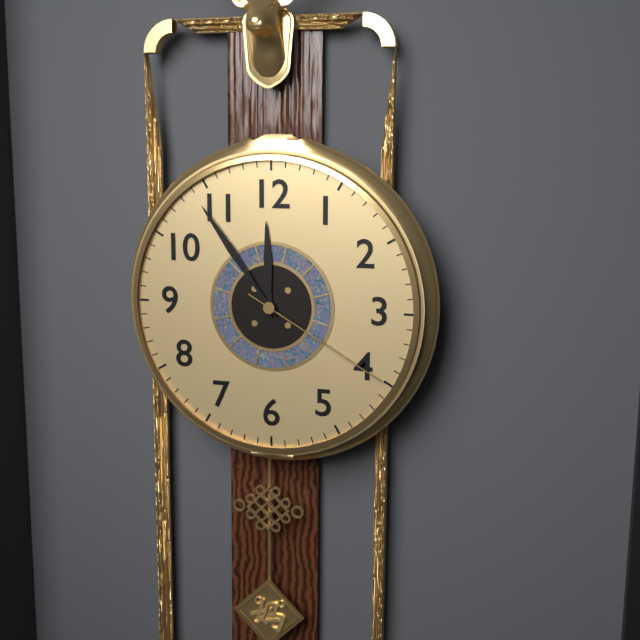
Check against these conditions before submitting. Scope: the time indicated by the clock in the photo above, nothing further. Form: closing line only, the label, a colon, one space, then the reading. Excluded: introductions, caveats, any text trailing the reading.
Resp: 11:54:20
